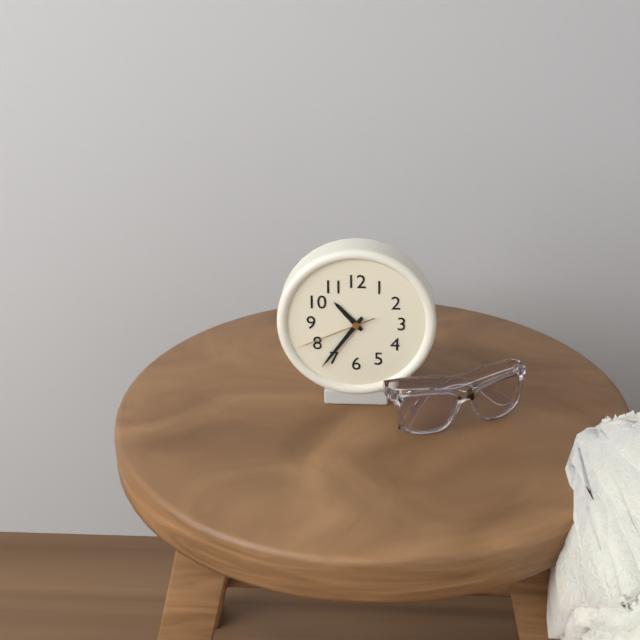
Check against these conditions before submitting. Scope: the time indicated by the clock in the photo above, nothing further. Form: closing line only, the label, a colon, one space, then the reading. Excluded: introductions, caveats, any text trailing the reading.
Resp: 10:36:41
